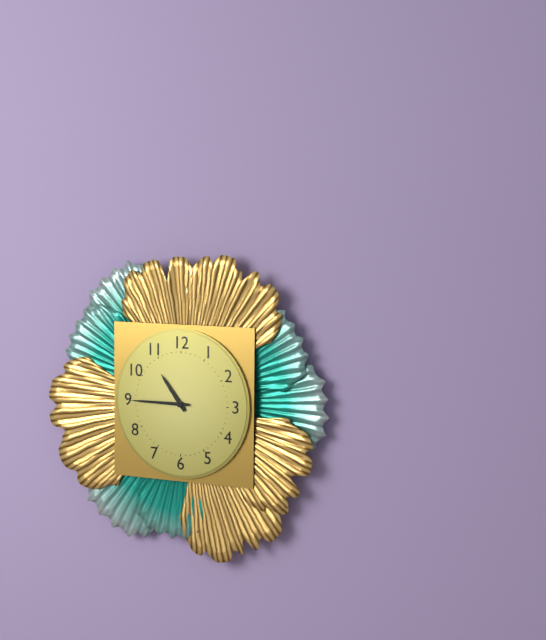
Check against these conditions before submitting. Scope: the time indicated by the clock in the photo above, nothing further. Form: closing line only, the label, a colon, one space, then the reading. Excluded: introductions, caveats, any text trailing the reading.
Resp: 10:45
